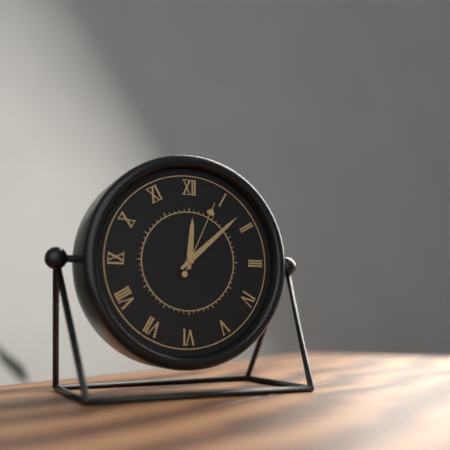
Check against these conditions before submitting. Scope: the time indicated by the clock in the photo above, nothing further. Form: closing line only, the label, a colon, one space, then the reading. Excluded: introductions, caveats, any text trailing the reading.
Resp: 12:08:04
